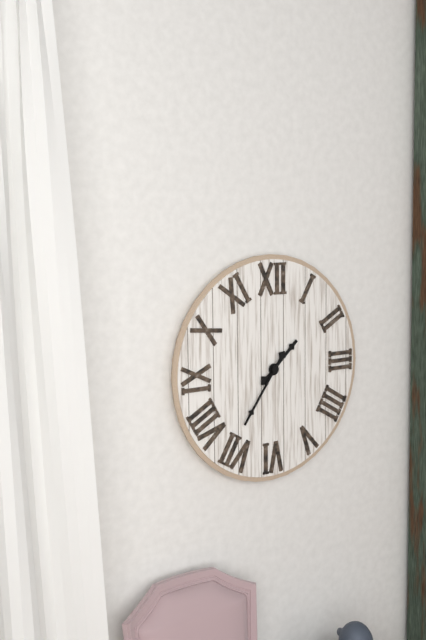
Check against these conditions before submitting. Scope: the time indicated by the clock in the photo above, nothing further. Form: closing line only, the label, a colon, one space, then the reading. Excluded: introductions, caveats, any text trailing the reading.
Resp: 1:36
